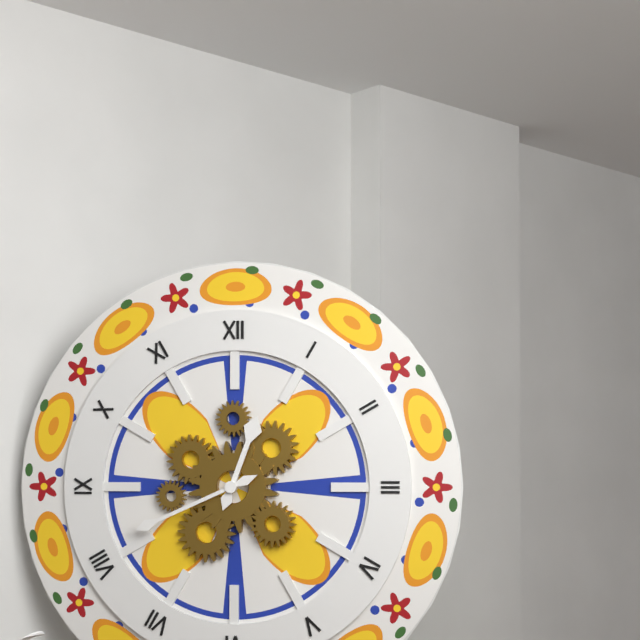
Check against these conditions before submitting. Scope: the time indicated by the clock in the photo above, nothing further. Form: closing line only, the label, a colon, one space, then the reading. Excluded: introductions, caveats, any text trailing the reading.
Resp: 12:41
